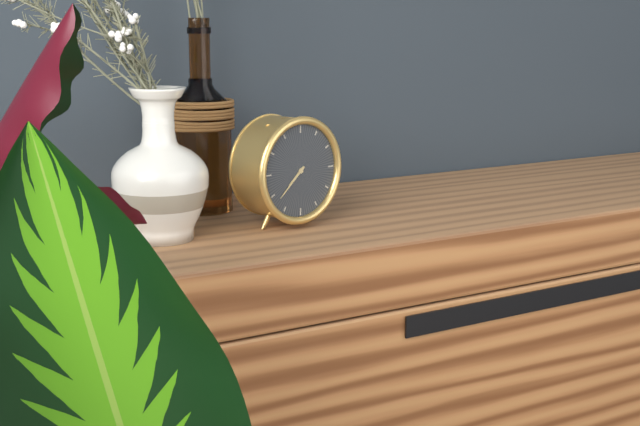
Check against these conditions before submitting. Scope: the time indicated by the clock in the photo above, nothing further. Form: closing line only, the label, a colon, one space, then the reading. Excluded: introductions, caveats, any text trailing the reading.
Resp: 7:38
